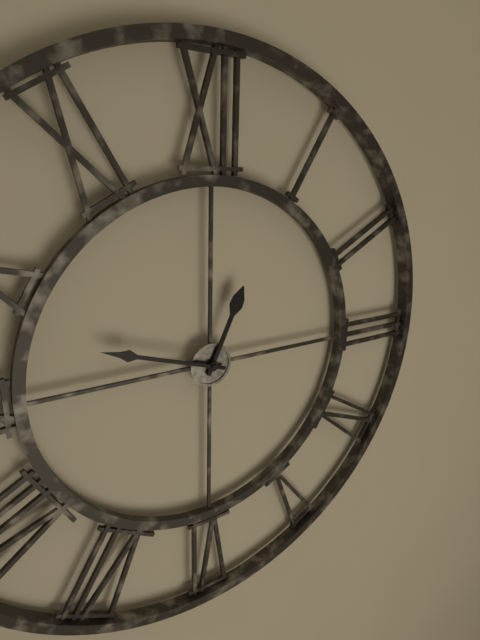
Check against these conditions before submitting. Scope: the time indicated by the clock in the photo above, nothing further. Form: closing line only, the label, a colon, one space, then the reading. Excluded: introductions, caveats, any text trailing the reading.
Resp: 12:48
